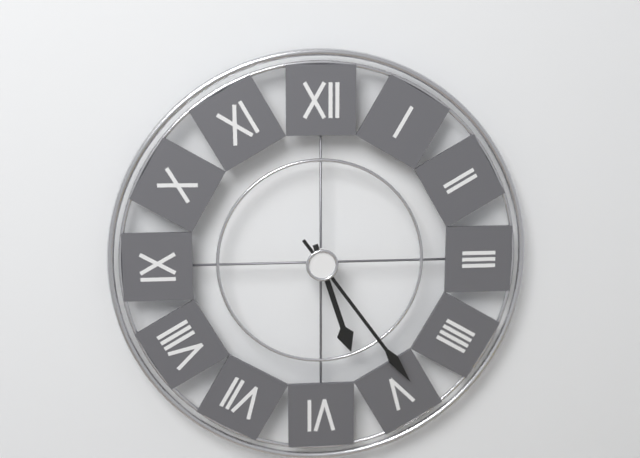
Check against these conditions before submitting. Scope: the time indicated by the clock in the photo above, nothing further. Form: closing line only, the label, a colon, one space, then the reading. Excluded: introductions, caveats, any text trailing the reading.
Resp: 5:24
